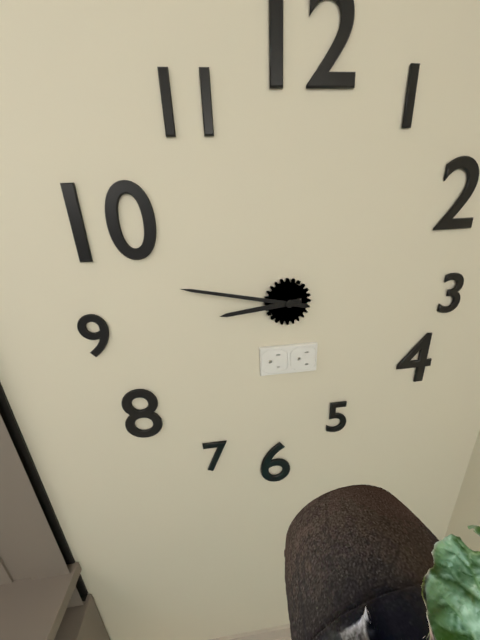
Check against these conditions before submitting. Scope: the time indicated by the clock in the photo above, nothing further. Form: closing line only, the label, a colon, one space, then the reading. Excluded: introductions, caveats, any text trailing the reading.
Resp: 8:47
